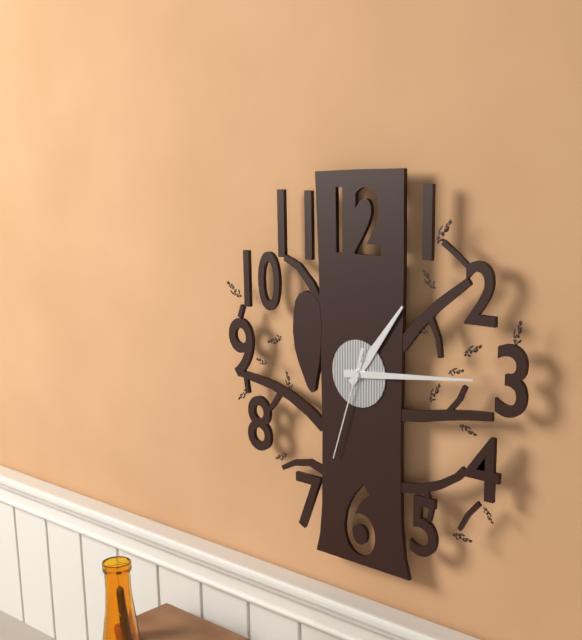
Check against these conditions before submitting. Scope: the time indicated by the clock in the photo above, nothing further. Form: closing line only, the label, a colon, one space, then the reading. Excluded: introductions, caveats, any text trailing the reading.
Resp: 1:14:33
